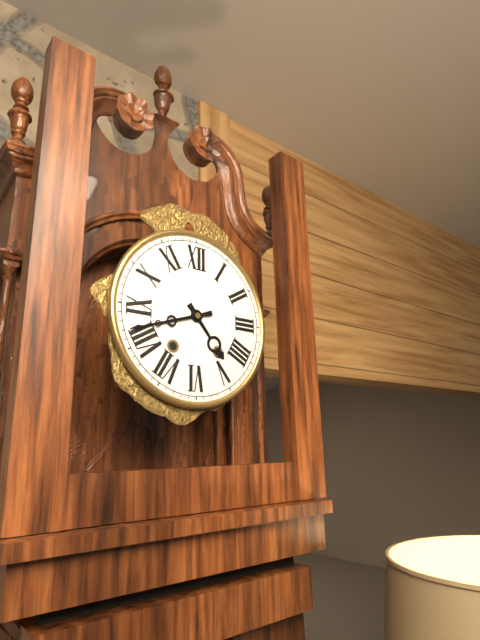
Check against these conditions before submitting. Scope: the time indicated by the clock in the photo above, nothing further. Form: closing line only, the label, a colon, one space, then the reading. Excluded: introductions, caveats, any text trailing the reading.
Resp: 4:42
